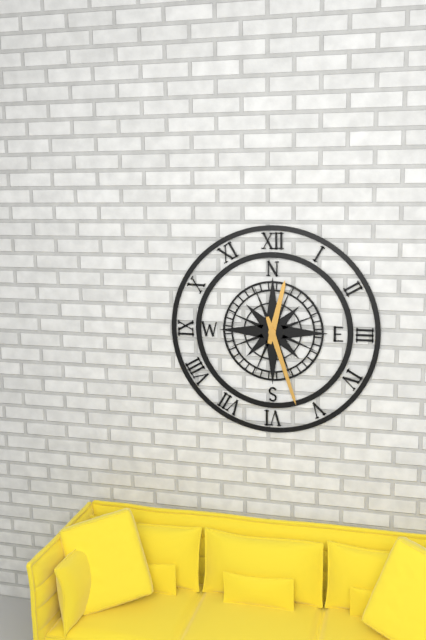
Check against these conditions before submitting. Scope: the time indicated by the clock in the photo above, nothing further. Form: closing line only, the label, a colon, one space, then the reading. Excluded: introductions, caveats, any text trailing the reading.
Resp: 12:27
